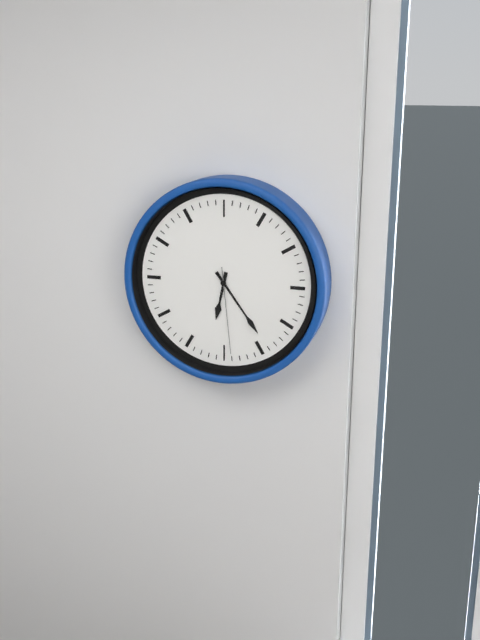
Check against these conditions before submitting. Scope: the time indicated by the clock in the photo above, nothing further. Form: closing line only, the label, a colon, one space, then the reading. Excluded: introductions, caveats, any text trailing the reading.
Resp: 6:24:29
